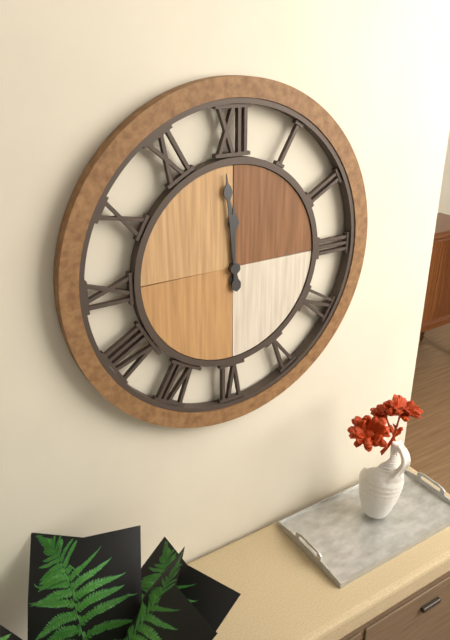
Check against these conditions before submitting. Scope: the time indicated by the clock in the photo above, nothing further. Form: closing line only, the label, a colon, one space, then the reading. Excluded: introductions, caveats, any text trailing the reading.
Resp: 11:59
